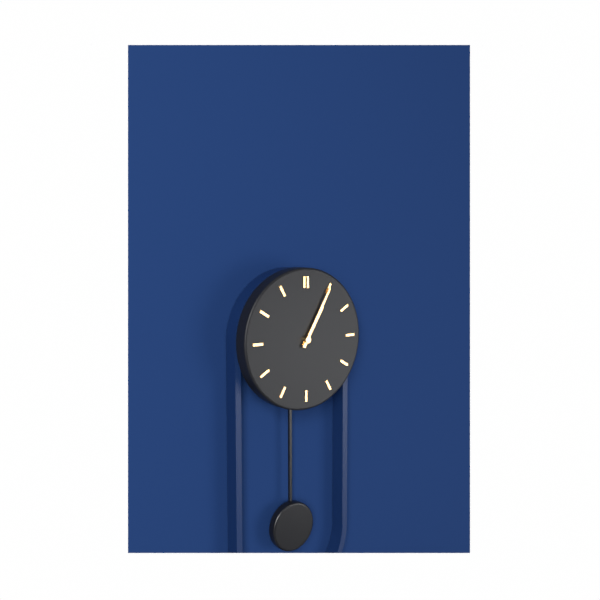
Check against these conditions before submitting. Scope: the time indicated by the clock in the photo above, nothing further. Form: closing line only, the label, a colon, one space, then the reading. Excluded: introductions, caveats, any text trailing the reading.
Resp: 1:05
